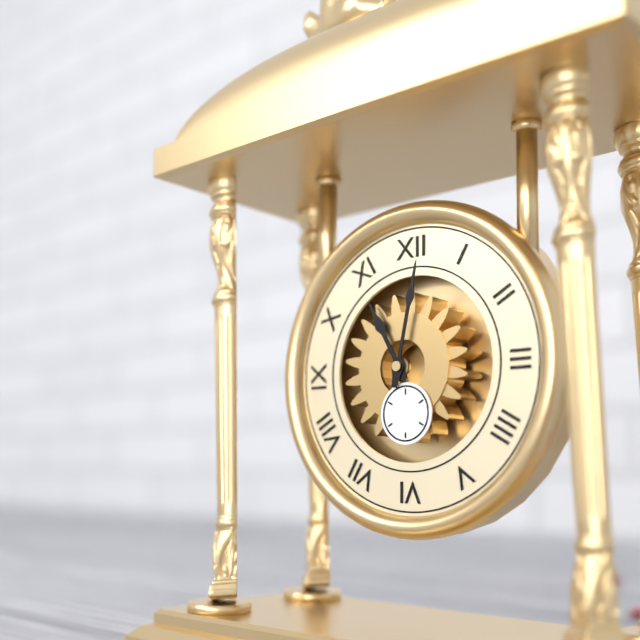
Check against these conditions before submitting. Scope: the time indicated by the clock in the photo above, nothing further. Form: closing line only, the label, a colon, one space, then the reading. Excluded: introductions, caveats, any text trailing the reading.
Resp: 11:02
